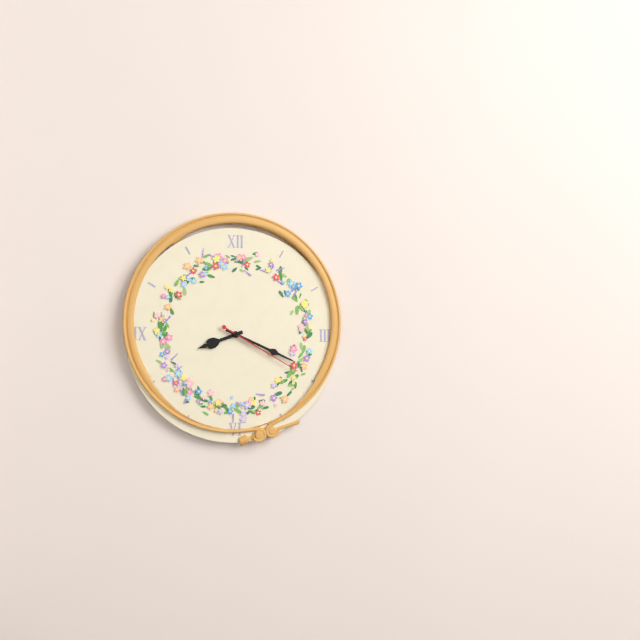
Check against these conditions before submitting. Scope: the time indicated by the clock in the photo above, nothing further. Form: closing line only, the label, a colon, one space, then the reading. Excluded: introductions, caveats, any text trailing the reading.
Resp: 8:19:20
